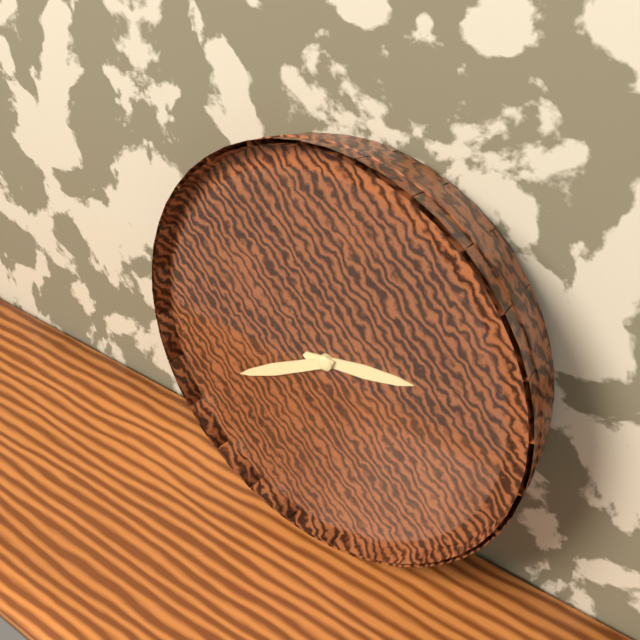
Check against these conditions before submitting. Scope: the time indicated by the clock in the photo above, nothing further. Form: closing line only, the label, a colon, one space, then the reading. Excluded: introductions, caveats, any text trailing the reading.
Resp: 2:40
